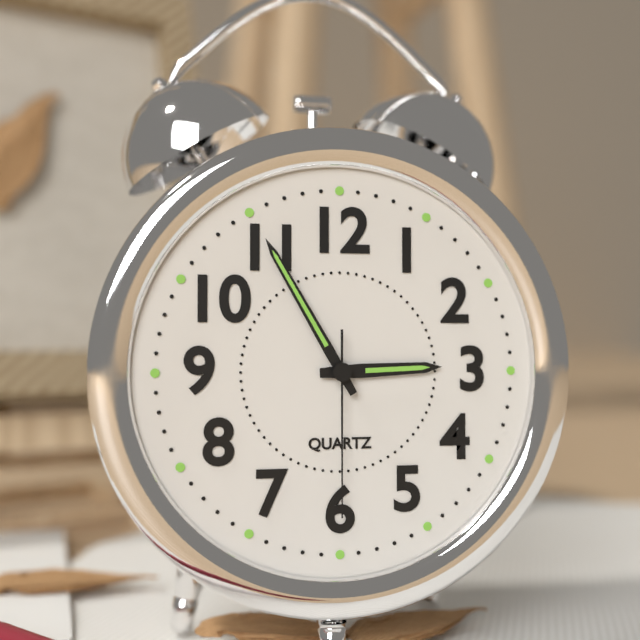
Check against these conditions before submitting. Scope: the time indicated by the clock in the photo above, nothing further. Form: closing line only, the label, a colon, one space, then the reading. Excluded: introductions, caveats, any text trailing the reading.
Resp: 2:55:30
